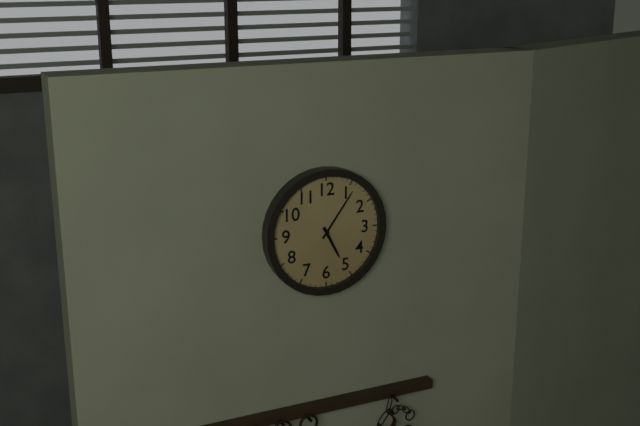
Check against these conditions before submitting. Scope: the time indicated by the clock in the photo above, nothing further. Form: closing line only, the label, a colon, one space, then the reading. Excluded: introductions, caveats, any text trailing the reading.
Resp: 5:06
